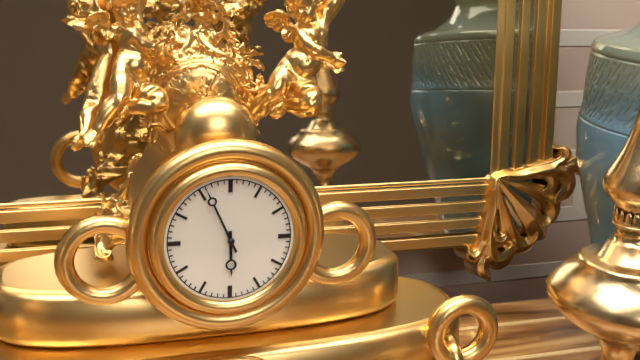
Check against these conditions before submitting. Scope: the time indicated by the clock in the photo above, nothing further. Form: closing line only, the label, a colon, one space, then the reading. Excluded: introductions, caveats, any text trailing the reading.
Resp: 5:56
